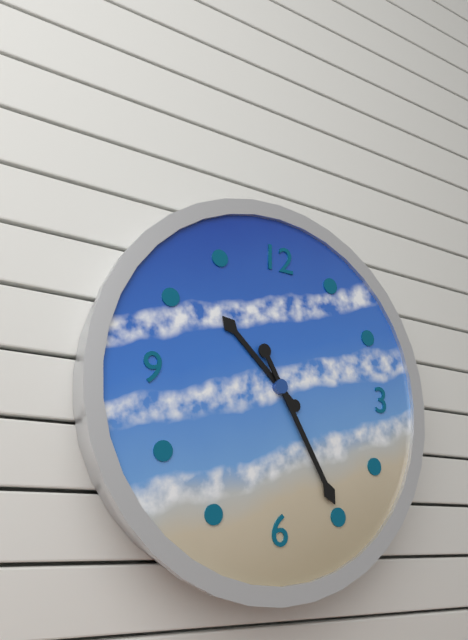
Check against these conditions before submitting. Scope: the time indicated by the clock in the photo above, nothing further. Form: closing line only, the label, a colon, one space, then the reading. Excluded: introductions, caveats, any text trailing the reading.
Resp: 10:25
